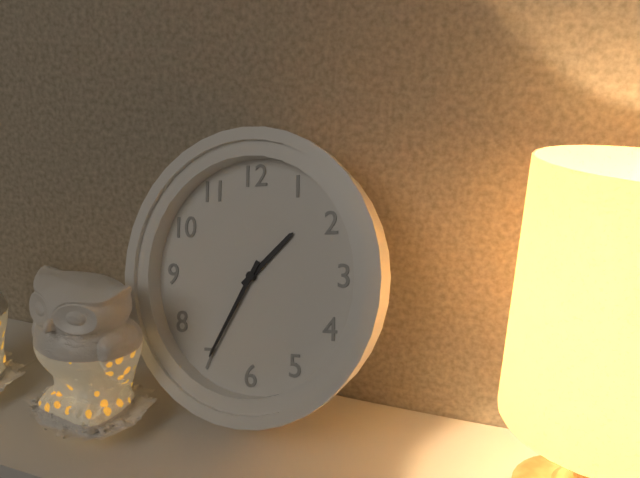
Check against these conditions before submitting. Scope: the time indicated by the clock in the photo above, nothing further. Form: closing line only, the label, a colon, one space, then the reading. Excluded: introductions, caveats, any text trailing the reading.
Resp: 1:35
